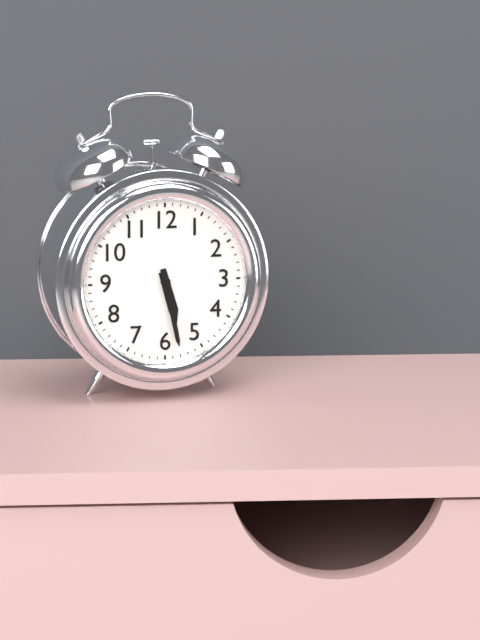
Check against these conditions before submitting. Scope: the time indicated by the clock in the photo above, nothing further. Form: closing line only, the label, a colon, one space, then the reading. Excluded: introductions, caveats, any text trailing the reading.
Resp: 5:28
